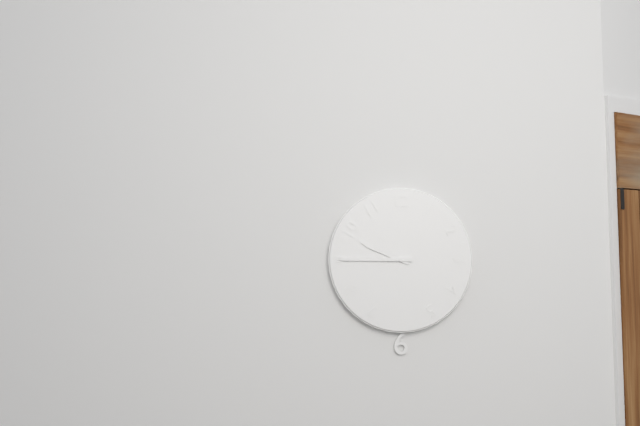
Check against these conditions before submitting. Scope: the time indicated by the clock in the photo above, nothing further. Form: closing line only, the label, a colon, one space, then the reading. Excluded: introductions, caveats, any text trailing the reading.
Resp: 9:45
